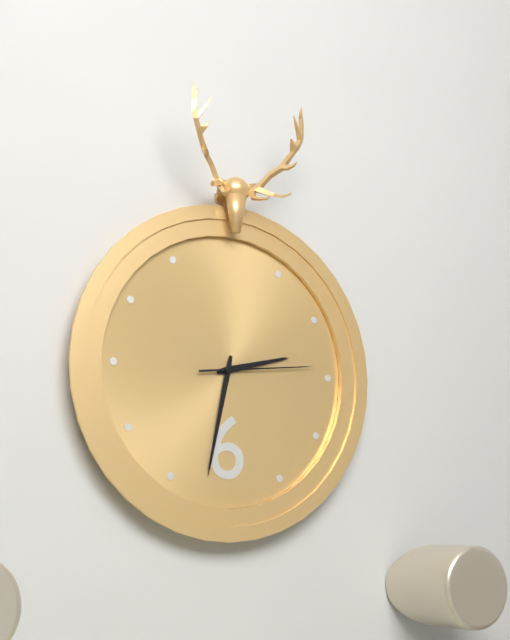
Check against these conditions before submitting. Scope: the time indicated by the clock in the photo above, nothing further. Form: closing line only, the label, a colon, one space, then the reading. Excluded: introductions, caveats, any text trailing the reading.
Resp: 2:32:14
